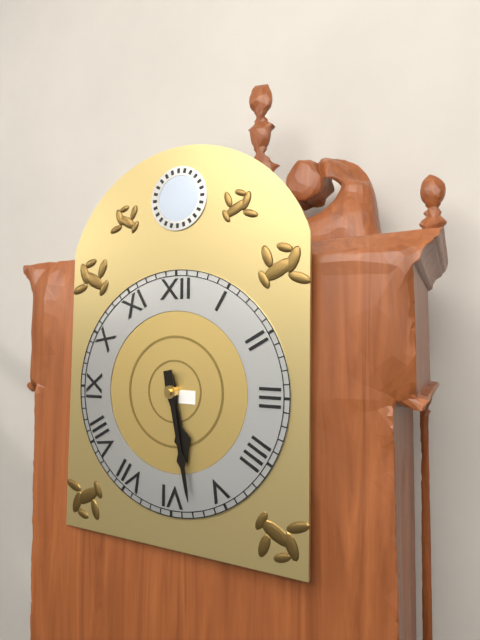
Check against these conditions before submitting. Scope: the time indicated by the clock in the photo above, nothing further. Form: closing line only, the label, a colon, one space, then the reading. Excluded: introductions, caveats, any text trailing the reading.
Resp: 5:28
